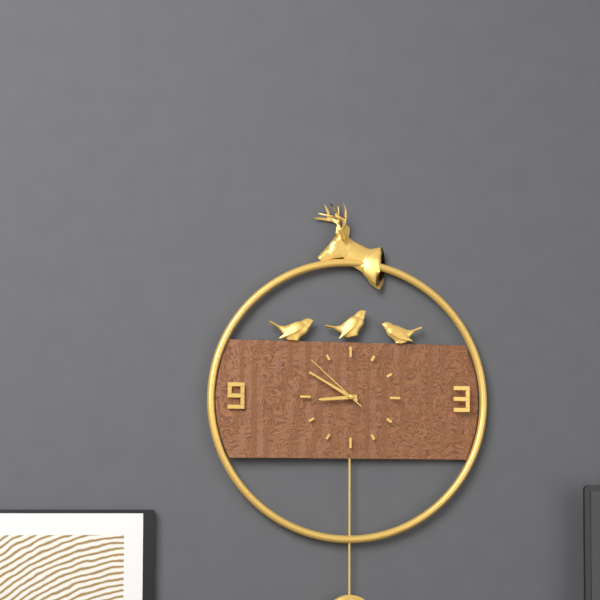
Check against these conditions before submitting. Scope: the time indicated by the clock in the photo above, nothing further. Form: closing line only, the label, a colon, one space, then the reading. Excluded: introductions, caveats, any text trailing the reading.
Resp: 8:50:52
